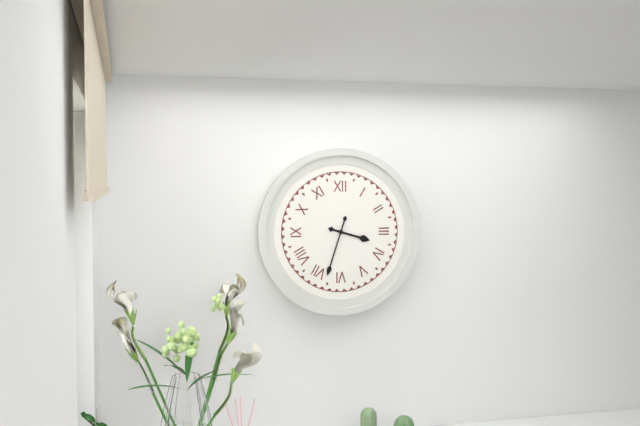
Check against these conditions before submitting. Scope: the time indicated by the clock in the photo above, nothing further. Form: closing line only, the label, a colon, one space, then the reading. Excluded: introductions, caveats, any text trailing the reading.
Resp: 3:33
